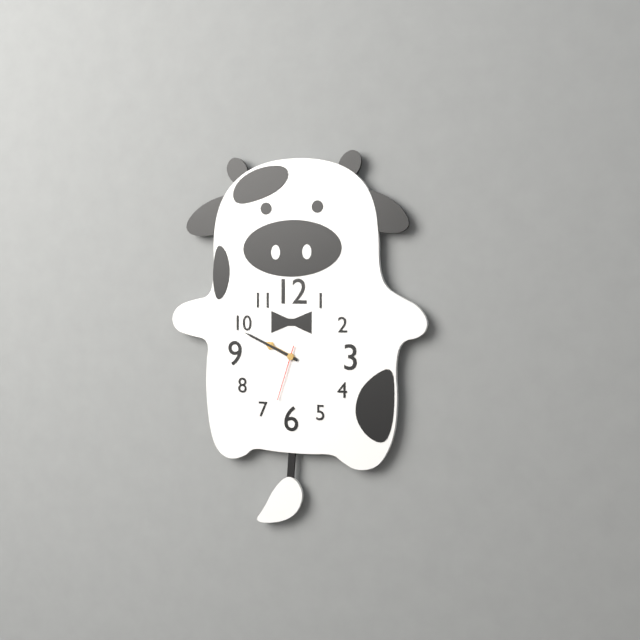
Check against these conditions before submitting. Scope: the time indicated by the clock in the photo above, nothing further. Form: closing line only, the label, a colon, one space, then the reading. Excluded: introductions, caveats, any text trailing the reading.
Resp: 9:49:33
